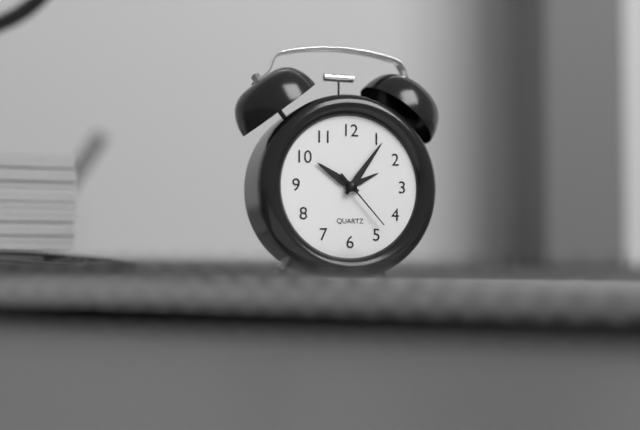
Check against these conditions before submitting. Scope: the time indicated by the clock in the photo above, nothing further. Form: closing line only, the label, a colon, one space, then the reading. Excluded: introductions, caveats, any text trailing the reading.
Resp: 10:06:23
